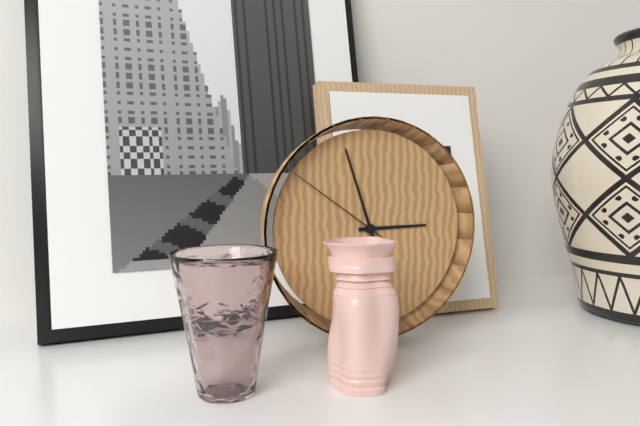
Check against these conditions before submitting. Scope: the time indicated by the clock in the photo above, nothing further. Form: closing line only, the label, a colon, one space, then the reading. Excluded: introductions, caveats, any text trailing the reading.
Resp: 2:57:51
